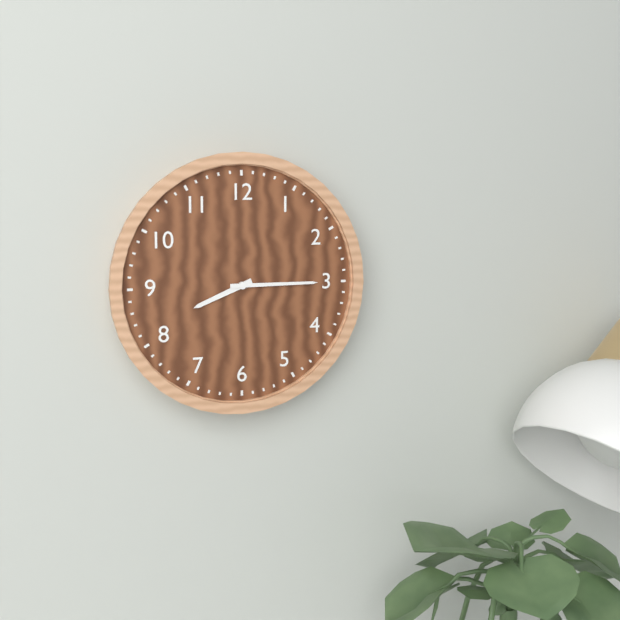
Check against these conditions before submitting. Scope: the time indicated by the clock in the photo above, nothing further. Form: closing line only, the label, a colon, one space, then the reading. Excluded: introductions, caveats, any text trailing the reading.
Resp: 8:15
